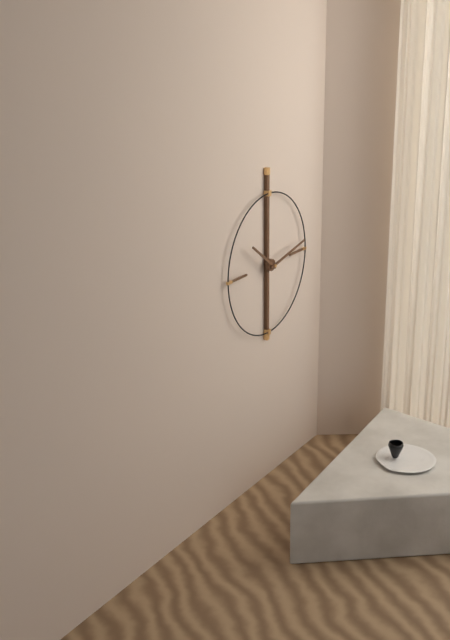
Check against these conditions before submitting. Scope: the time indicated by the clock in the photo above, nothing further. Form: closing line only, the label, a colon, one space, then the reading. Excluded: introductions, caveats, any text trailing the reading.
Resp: 10:13
